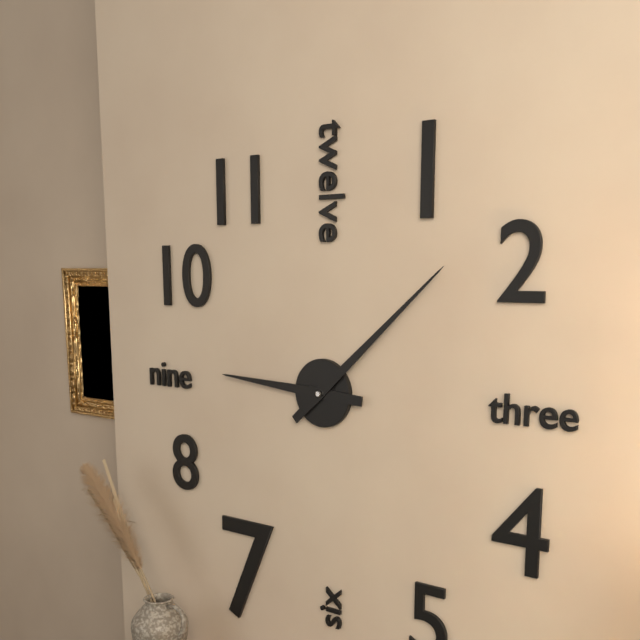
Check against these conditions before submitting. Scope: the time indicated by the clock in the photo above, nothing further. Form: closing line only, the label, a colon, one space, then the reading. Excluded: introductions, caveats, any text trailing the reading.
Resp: 9:08
